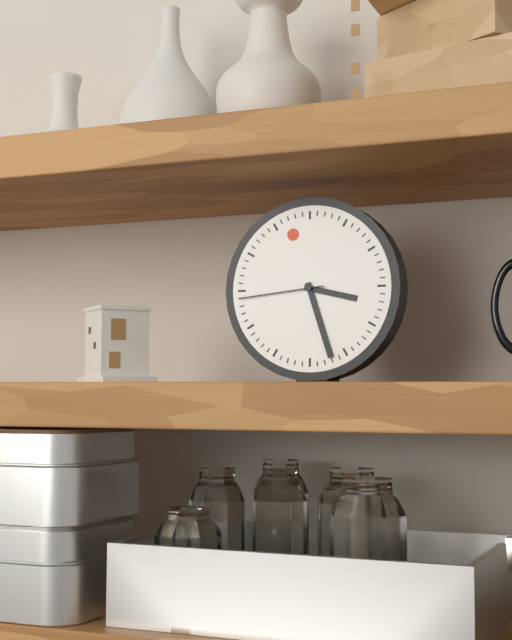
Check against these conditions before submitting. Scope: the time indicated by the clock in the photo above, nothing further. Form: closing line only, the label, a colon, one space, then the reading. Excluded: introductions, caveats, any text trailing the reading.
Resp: 3:27:44
